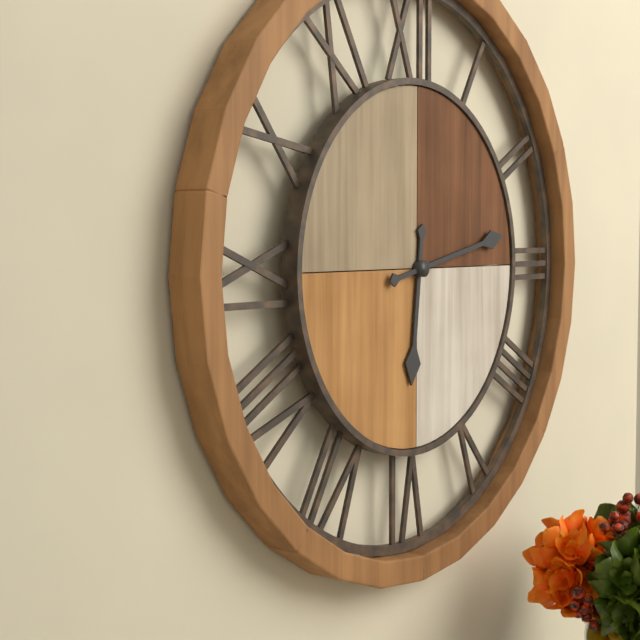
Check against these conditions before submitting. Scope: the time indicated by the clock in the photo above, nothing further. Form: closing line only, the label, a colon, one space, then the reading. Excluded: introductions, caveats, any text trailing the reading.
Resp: 6:13
